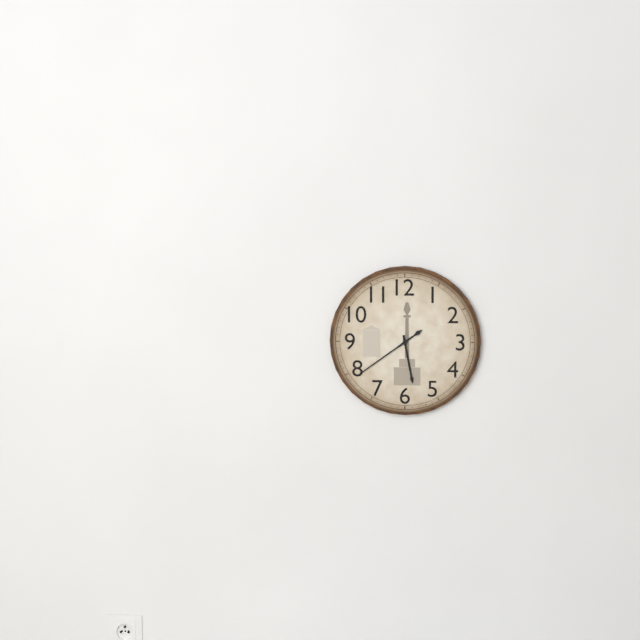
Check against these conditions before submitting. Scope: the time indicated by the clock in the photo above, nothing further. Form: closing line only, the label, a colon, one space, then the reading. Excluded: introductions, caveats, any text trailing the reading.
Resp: 5:39
